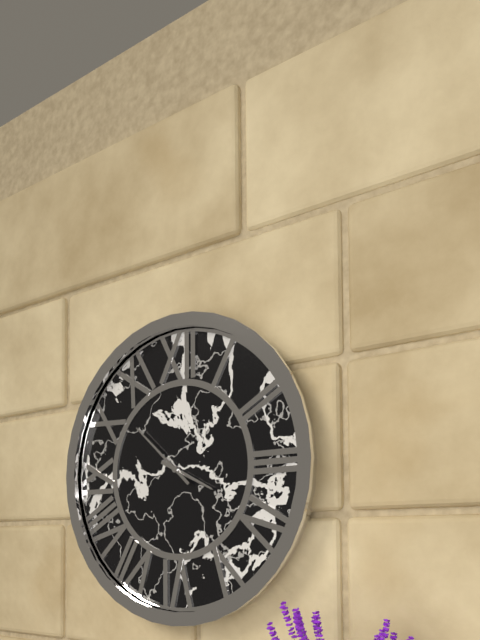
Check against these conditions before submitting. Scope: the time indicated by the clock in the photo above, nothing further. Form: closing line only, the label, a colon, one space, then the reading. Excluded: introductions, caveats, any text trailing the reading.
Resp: 3:52
